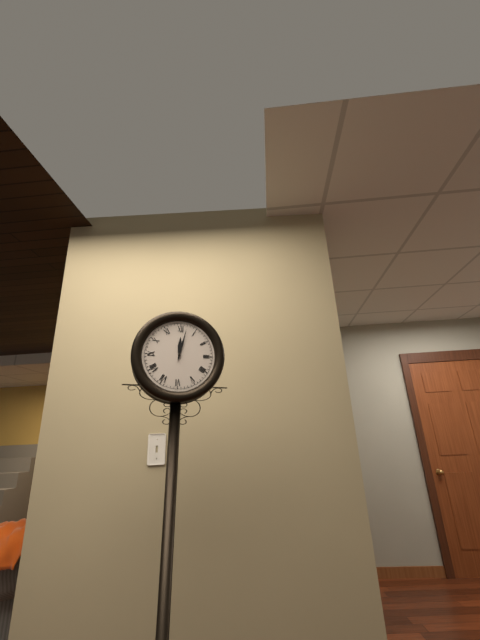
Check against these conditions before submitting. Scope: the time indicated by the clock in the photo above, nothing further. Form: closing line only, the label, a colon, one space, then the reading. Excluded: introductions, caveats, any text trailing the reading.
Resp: 12:02
